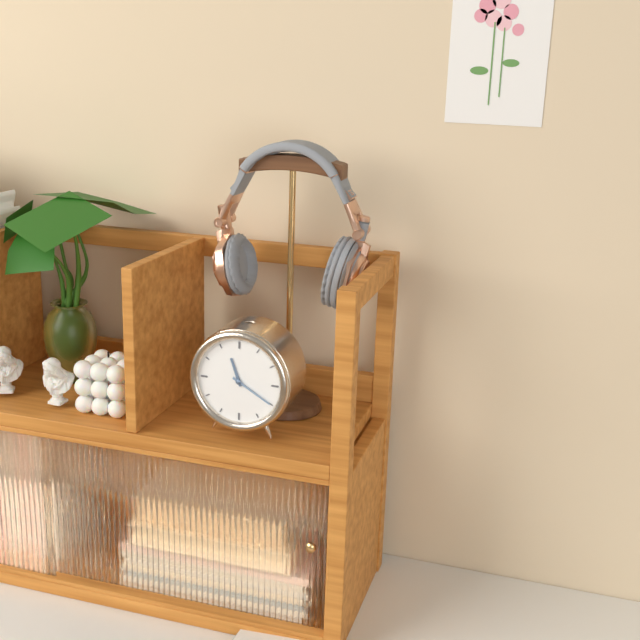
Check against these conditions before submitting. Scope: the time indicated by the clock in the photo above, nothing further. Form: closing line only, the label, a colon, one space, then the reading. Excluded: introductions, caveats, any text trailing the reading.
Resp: 11:20
